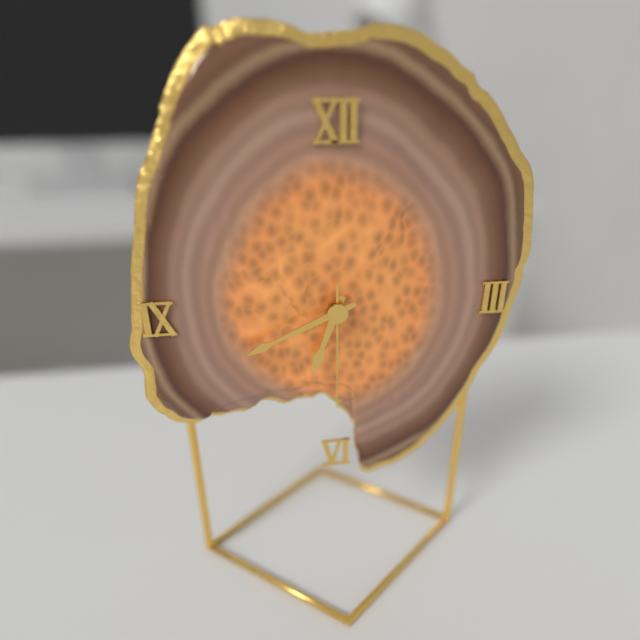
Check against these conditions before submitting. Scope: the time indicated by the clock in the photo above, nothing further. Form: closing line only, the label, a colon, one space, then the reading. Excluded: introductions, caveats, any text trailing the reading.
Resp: 6:41:30
